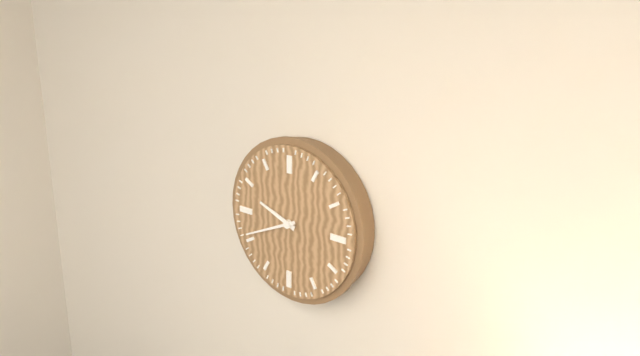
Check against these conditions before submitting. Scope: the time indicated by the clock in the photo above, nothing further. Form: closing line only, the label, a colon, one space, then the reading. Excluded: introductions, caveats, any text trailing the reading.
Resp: 9:41
